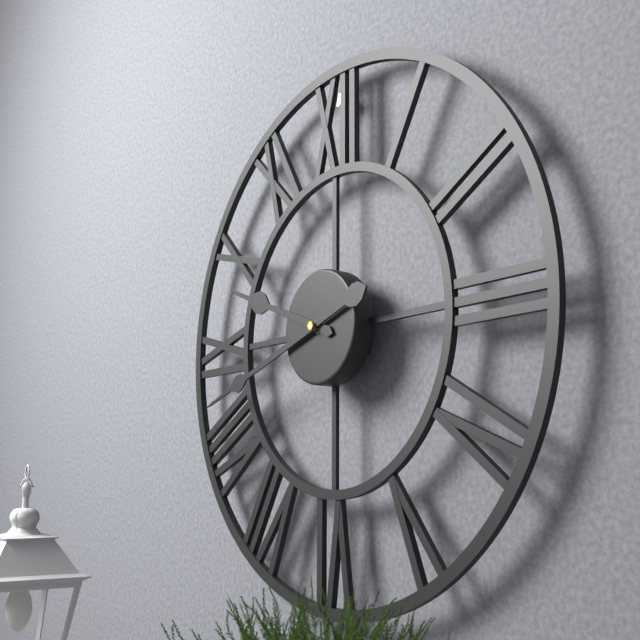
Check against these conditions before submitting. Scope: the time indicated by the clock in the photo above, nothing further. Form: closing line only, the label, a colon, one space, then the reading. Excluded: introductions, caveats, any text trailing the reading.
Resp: 9:42
